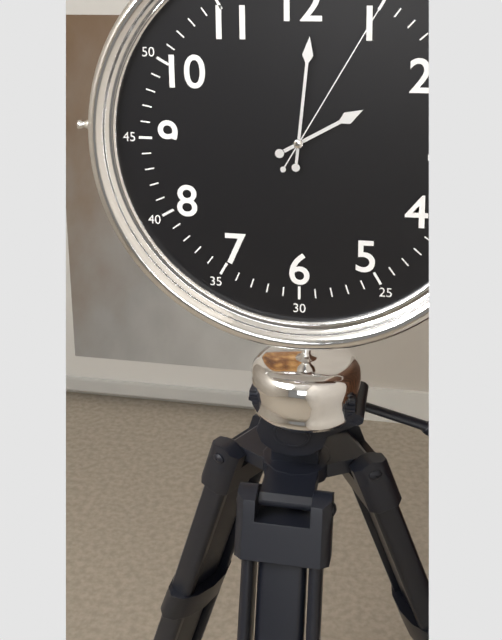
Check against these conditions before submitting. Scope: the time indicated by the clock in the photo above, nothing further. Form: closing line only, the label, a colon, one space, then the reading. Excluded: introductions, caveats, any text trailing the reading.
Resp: 2:01:05
